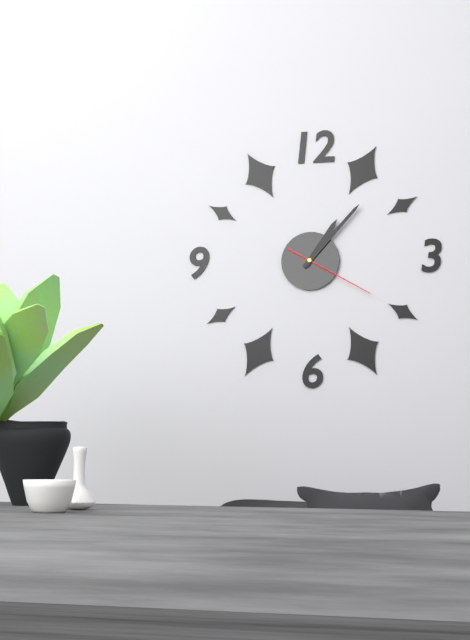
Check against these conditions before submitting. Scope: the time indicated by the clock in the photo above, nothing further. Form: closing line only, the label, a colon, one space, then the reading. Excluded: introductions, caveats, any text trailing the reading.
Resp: 1:07:20
